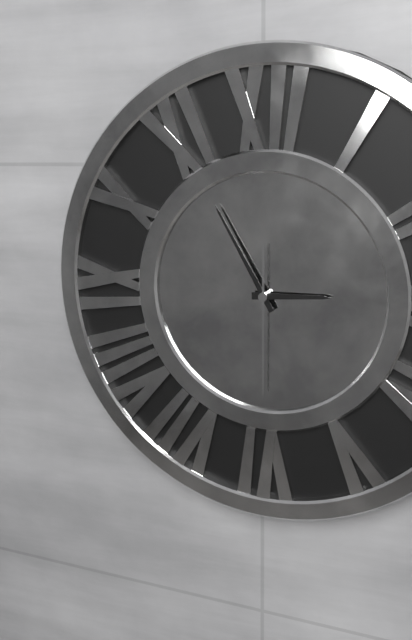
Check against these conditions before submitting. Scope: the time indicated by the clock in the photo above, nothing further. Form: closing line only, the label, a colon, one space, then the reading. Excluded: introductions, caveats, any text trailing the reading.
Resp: 2:55:30
